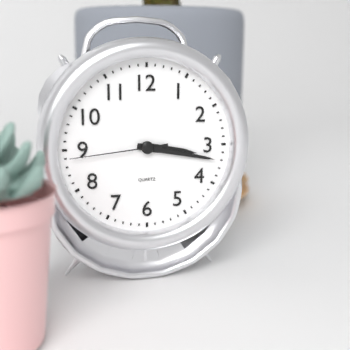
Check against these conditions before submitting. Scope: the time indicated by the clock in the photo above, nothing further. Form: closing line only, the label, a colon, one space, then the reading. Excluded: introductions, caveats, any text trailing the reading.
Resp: 3:17:44
